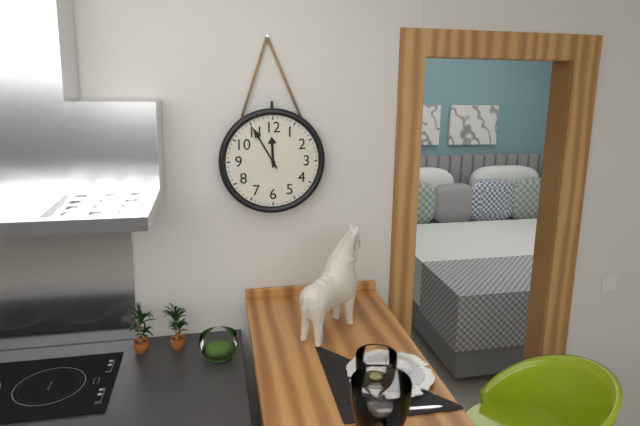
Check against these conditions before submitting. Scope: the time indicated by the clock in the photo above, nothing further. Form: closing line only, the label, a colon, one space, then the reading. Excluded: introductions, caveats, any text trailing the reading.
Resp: 11:55
